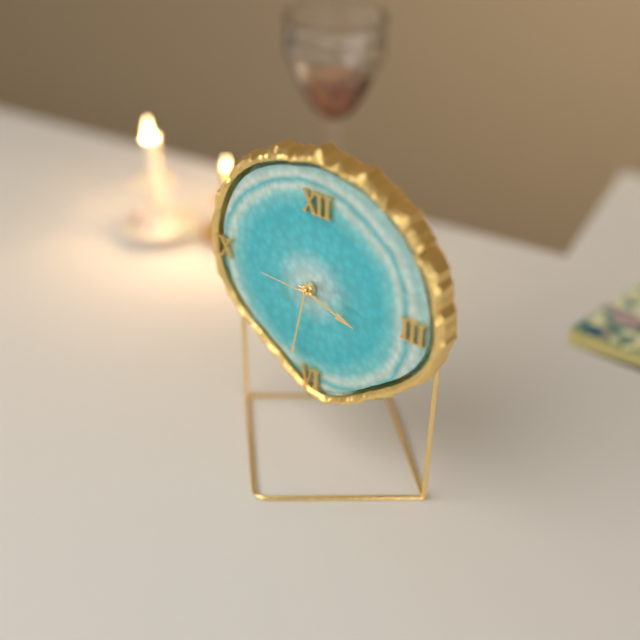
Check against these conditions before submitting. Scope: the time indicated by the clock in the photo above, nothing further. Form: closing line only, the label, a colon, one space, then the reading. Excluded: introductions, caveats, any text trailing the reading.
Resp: 3:32:45
